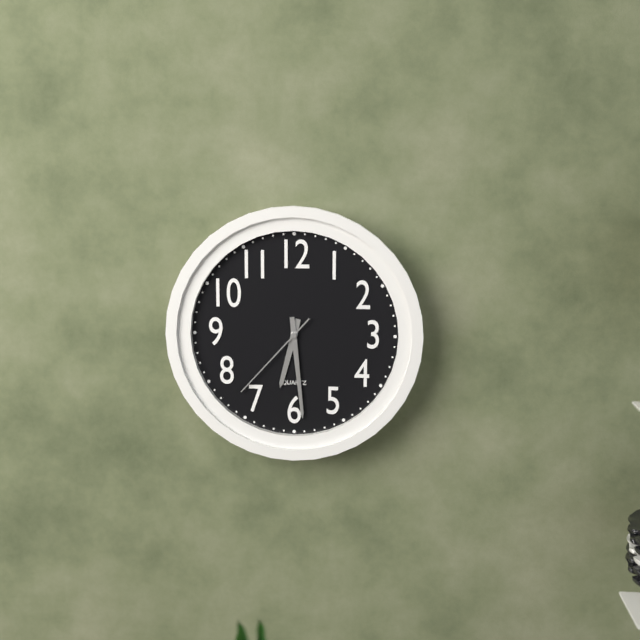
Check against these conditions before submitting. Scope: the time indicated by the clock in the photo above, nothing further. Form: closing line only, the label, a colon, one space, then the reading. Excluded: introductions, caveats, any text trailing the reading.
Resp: 6:29:37
